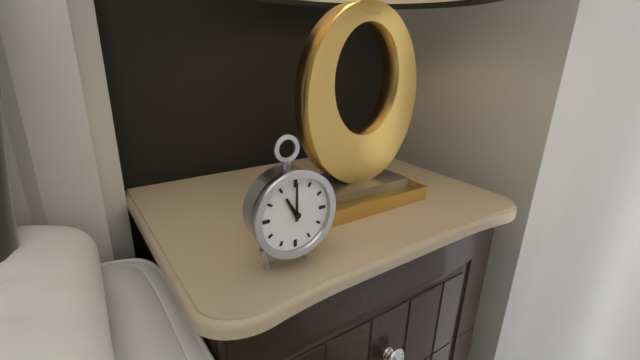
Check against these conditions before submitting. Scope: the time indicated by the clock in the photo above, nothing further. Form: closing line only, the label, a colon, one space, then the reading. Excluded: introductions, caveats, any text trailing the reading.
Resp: 11:00
